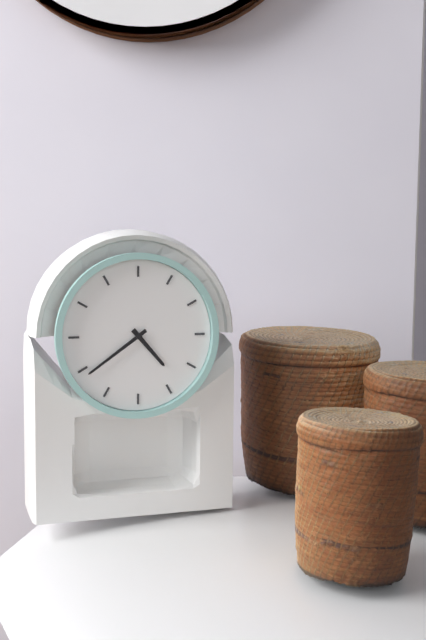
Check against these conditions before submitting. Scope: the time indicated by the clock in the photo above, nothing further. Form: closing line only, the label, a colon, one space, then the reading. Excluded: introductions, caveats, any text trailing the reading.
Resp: 4:39
